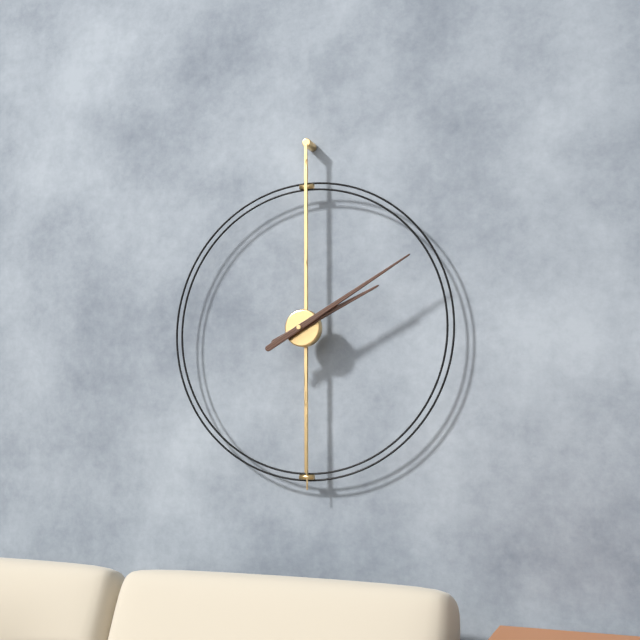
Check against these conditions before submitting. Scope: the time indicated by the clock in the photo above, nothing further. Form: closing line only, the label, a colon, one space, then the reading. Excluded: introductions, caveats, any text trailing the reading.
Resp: 2:10
